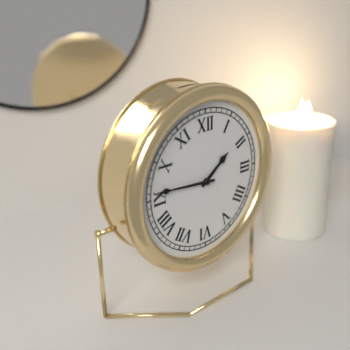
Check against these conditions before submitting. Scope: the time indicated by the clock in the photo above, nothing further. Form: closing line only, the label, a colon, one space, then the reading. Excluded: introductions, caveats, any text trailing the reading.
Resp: 1:46
